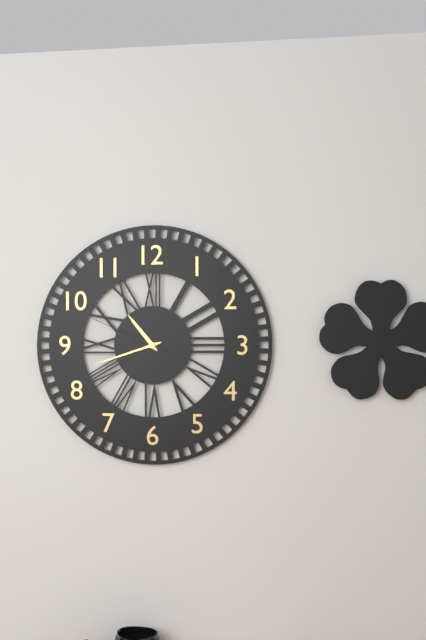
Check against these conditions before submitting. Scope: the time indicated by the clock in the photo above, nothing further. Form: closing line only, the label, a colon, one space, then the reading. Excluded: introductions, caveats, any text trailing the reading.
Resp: 10:42:49
